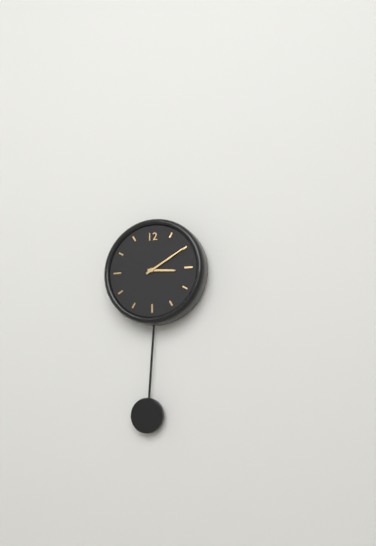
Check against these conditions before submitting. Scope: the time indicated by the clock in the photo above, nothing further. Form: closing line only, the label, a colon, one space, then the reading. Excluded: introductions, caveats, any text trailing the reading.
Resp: 3:10
